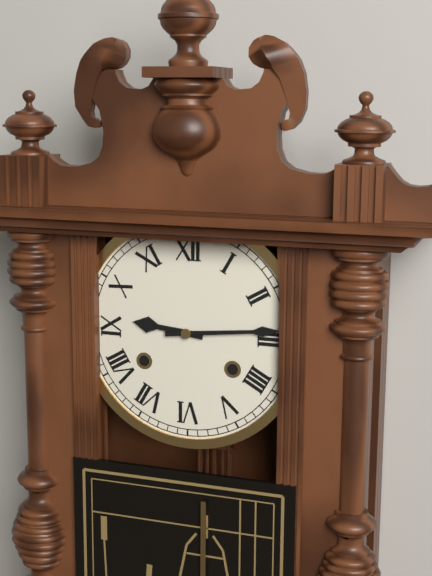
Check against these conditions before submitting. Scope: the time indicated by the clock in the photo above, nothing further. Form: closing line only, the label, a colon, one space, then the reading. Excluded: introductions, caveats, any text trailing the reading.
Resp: 9:14
